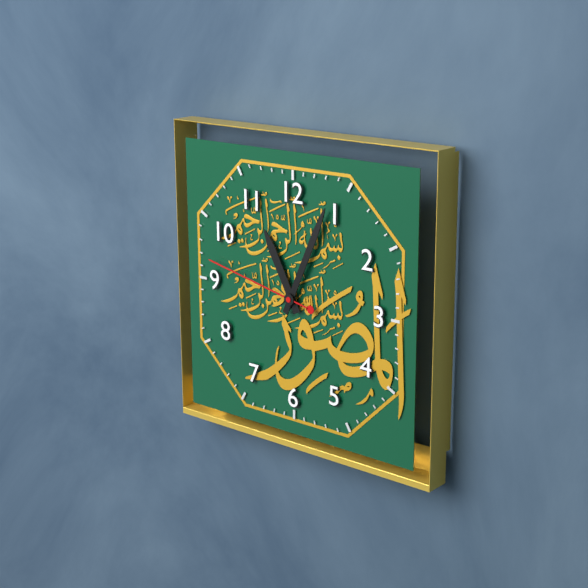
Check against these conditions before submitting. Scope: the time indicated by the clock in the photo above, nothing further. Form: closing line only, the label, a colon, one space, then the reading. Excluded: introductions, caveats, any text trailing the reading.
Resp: 11:04:47
